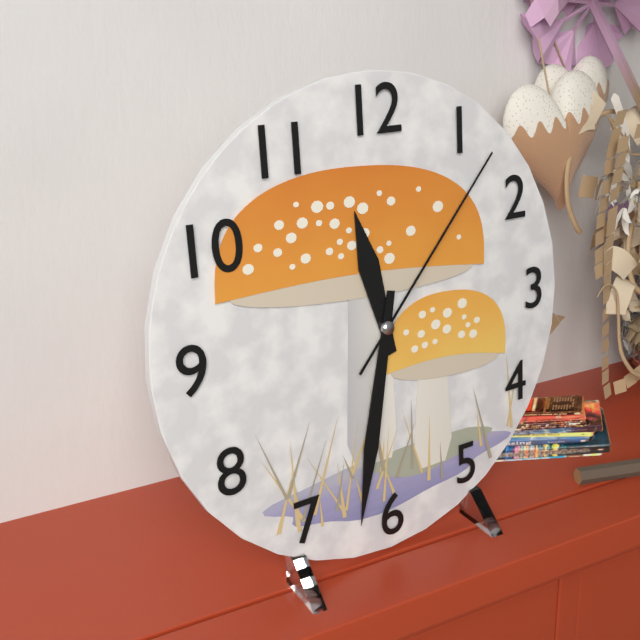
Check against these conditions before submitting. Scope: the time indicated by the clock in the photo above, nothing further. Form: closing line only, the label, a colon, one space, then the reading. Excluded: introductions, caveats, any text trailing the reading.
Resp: 11:32:07
